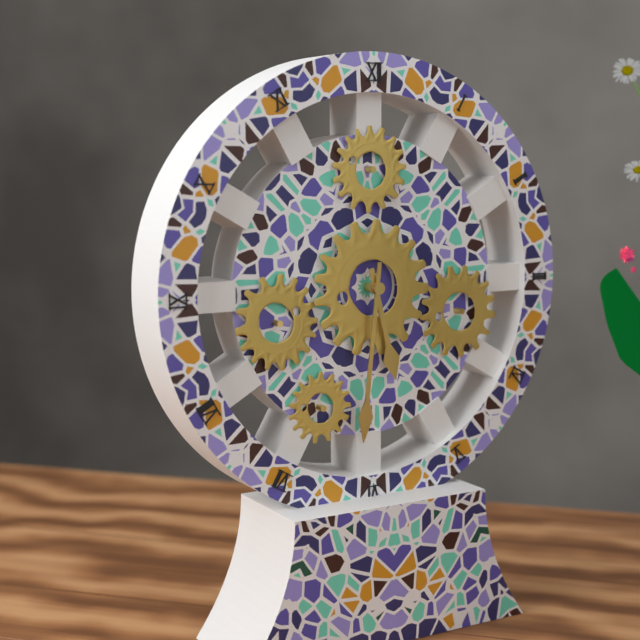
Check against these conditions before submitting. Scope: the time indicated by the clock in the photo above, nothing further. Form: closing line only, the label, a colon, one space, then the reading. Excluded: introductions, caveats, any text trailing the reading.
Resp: 5:31
